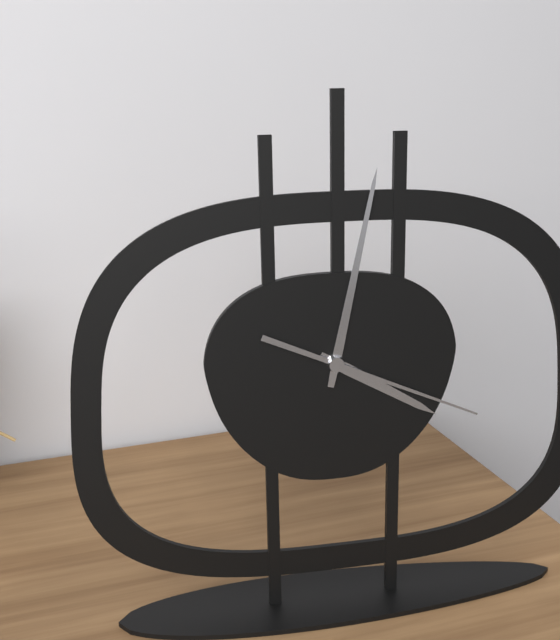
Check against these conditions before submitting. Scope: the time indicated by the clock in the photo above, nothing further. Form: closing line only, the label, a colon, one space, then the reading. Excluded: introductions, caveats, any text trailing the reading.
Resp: 4:02:19
